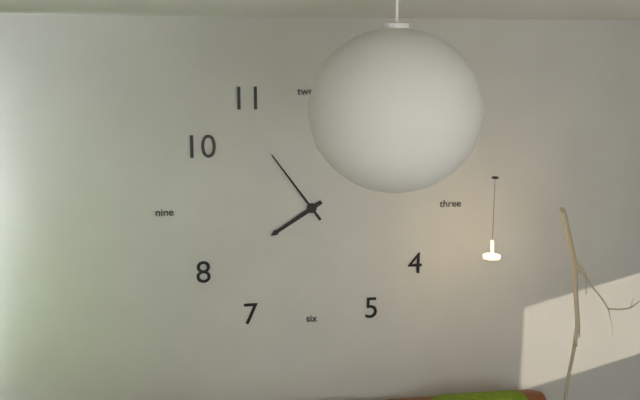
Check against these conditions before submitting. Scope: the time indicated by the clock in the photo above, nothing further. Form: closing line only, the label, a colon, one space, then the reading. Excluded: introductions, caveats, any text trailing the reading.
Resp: 7:54
